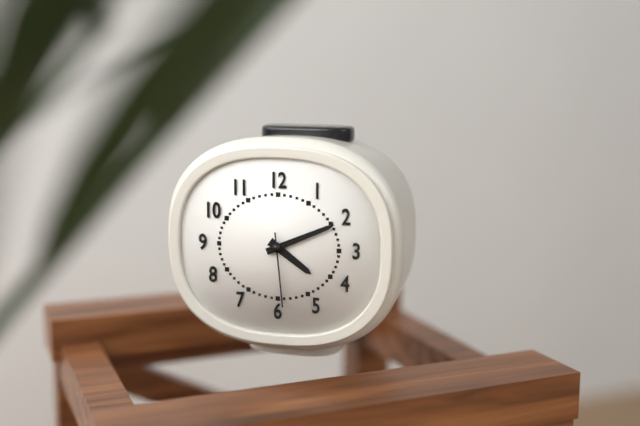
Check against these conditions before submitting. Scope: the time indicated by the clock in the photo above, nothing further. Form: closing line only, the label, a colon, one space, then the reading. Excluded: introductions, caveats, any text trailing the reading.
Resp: 4:11:29
